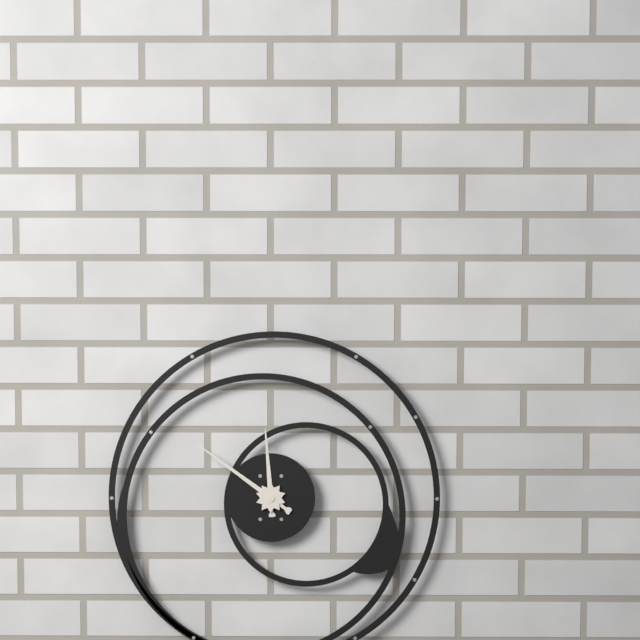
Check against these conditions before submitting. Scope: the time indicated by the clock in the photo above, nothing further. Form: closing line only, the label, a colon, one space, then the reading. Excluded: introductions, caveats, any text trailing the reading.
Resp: 11:51
